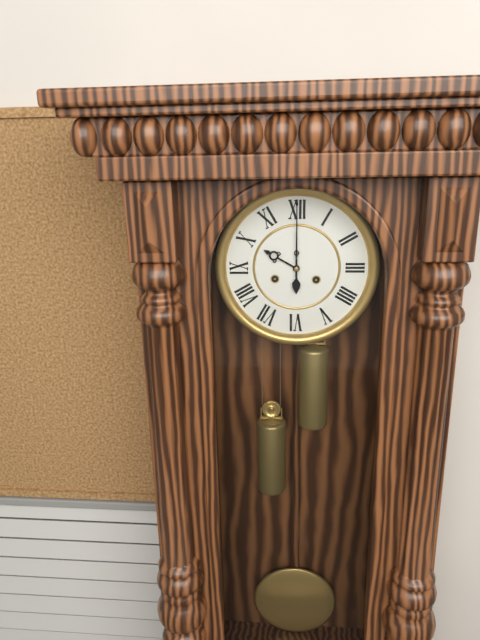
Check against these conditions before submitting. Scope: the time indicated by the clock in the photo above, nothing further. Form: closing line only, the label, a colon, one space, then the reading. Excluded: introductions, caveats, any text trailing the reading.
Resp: 10:00
